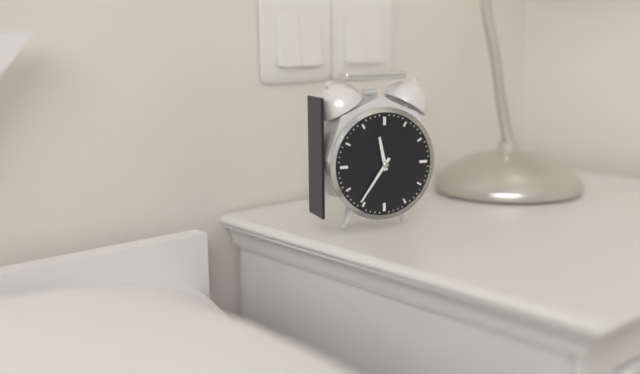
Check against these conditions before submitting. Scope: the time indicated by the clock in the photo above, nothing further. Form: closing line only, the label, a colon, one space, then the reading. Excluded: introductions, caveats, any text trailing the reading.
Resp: 11:36
